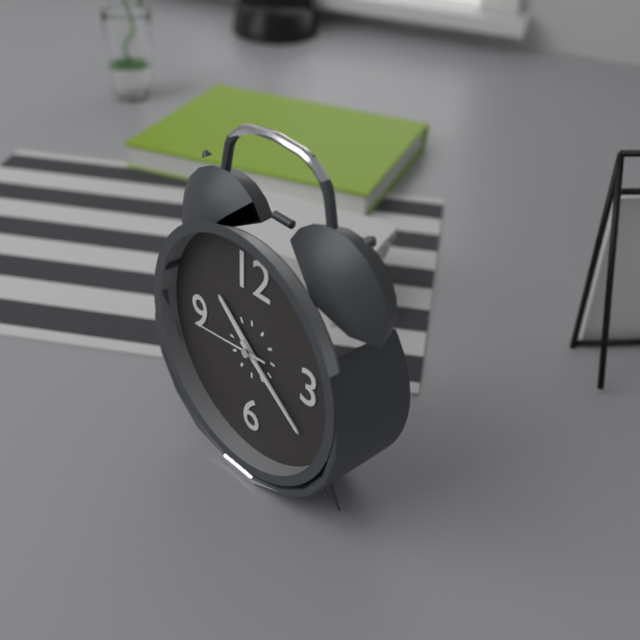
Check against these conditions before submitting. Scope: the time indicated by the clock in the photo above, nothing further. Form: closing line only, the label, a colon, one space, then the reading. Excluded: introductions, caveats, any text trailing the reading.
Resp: 10:21:44
